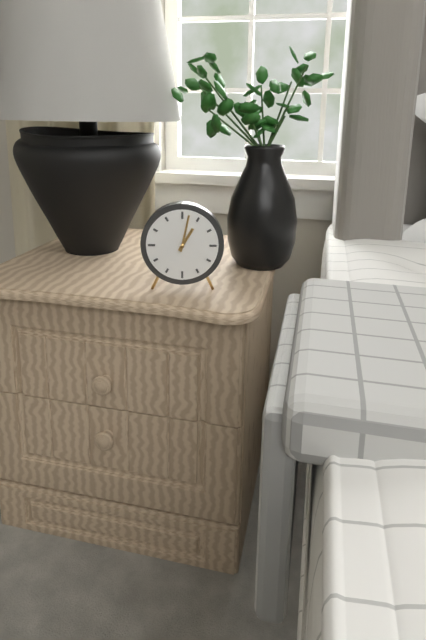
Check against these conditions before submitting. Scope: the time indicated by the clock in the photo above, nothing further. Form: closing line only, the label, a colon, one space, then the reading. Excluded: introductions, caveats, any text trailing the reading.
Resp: 1:02
